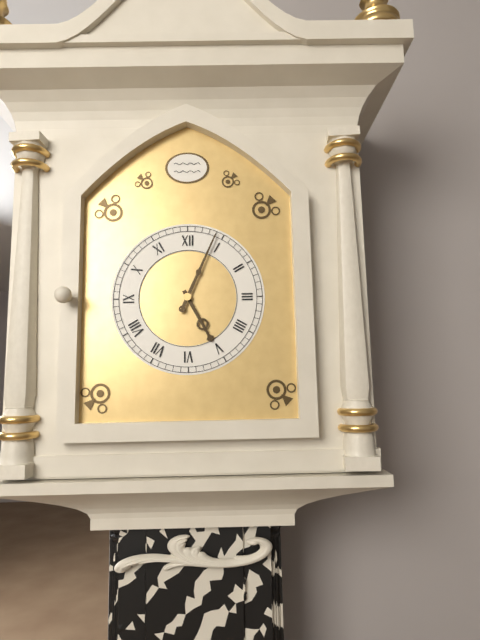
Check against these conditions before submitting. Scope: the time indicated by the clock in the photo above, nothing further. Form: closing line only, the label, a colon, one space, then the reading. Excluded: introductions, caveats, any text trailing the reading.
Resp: 5:04
